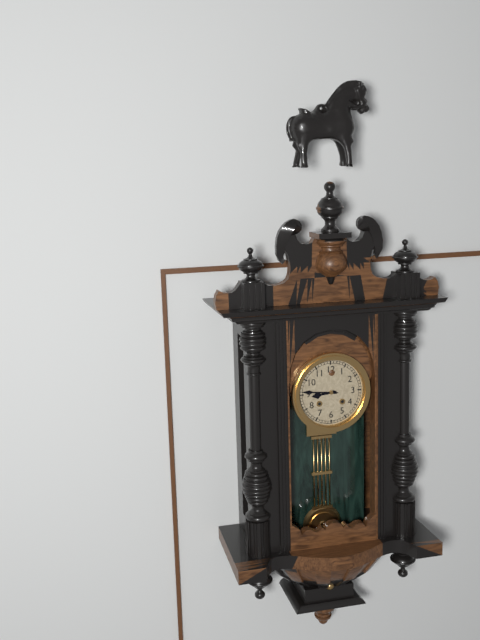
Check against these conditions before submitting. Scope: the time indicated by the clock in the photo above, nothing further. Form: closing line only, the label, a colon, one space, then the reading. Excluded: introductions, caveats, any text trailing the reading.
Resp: 8:46
